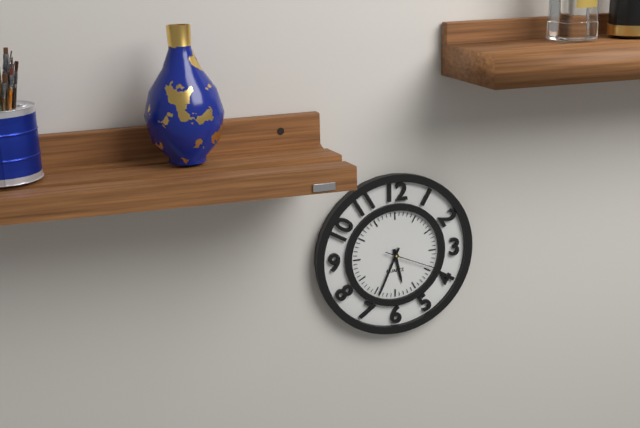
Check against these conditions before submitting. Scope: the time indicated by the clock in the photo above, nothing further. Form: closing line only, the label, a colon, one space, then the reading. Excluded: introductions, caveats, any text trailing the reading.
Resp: 5:34:19
